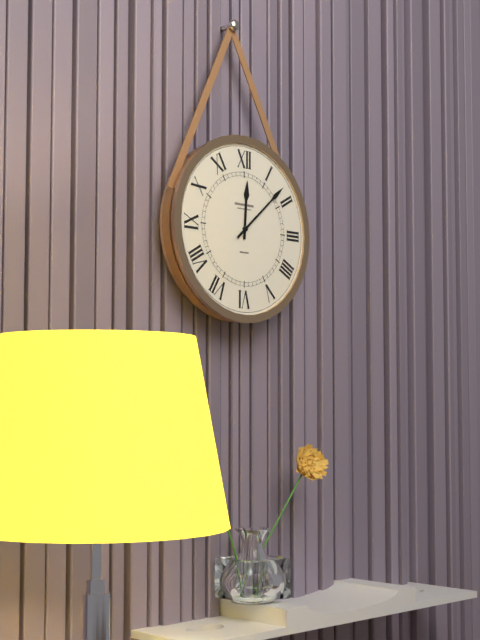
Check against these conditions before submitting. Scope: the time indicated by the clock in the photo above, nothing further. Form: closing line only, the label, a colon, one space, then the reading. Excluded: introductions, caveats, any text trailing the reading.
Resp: 12:08
